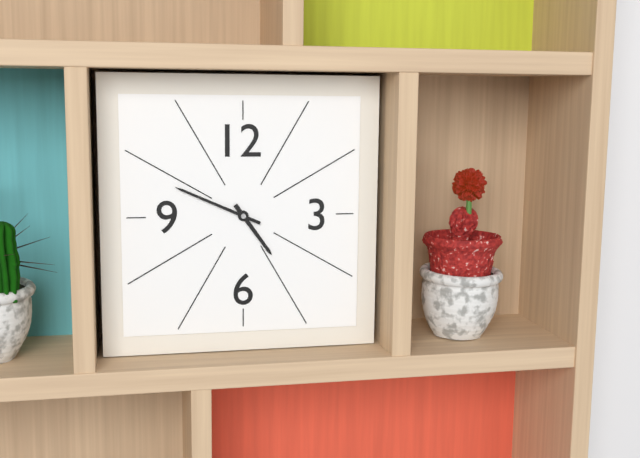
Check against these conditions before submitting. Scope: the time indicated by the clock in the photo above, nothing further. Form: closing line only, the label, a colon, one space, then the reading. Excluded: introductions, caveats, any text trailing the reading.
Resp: 4:49
